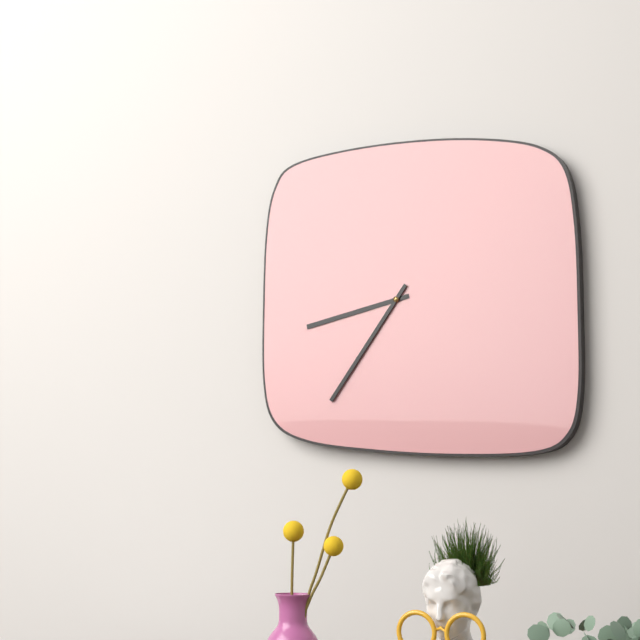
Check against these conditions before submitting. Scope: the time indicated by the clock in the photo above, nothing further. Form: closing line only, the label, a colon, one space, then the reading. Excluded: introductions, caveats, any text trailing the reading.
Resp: 8:36
